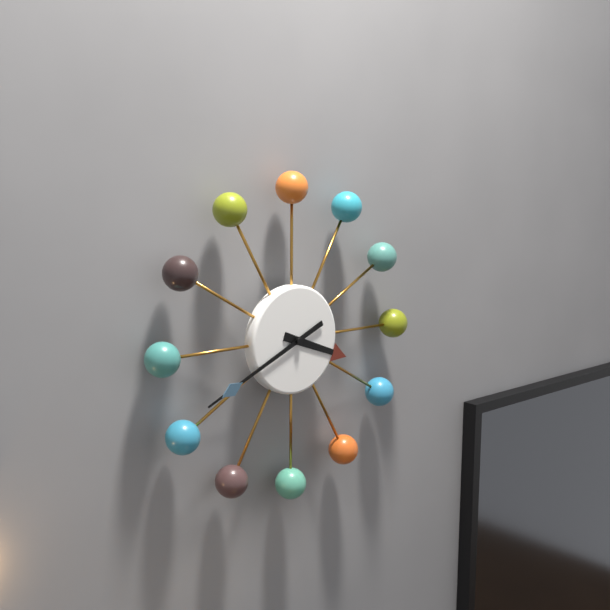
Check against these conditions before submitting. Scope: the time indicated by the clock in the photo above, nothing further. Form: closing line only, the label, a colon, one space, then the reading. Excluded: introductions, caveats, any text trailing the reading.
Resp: 3:41
